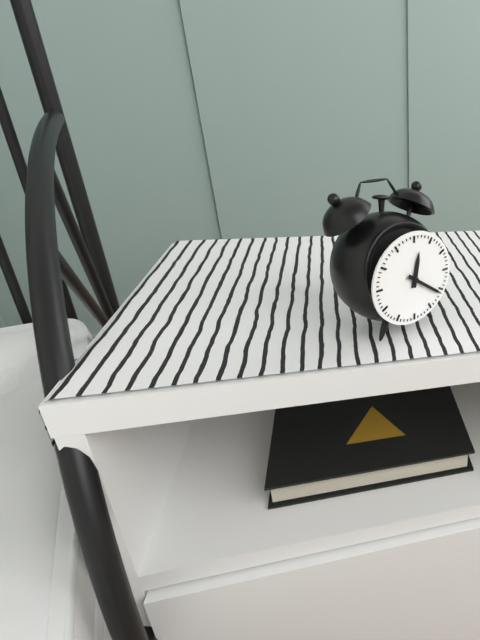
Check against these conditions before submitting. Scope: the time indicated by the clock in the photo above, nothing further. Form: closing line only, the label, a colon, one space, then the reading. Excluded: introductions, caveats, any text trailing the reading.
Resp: 12:21
